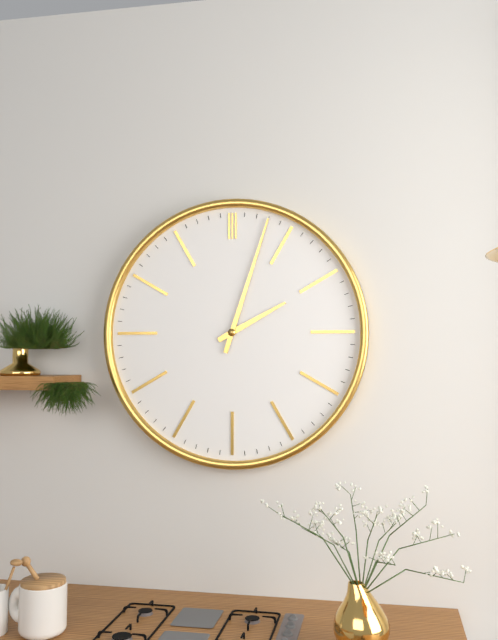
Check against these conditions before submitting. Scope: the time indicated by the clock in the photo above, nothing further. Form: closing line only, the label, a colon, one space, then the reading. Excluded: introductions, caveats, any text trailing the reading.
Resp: 2:03
